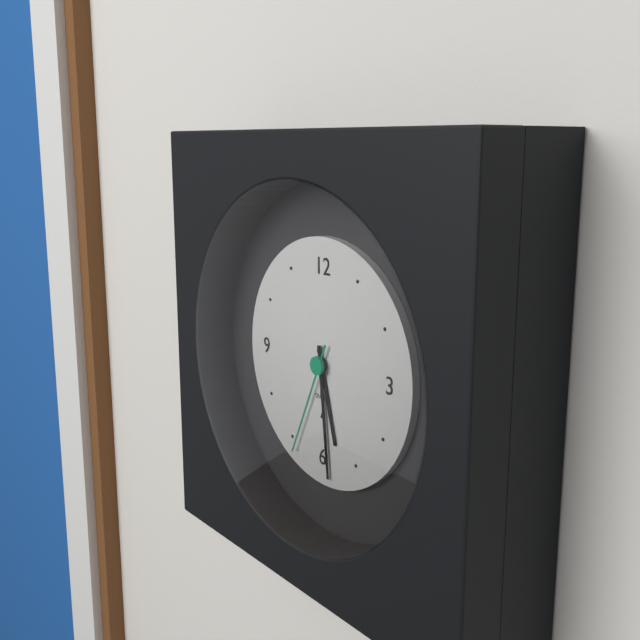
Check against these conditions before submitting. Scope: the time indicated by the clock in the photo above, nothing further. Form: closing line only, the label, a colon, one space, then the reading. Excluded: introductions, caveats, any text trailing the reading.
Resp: 5:29:34
